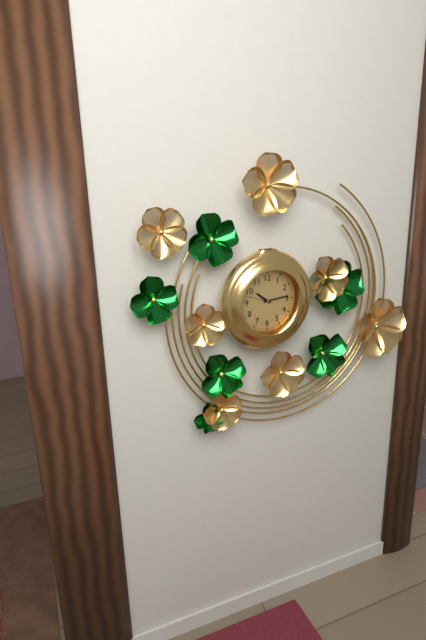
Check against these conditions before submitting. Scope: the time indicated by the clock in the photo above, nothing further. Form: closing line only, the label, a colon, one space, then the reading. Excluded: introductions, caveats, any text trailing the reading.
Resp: 10:14
